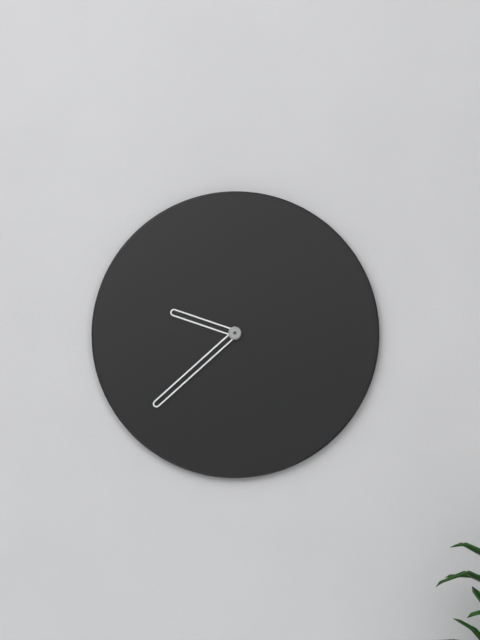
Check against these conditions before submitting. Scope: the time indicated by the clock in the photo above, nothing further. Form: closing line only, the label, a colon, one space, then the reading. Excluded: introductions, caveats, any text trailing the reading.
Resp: 9:38
